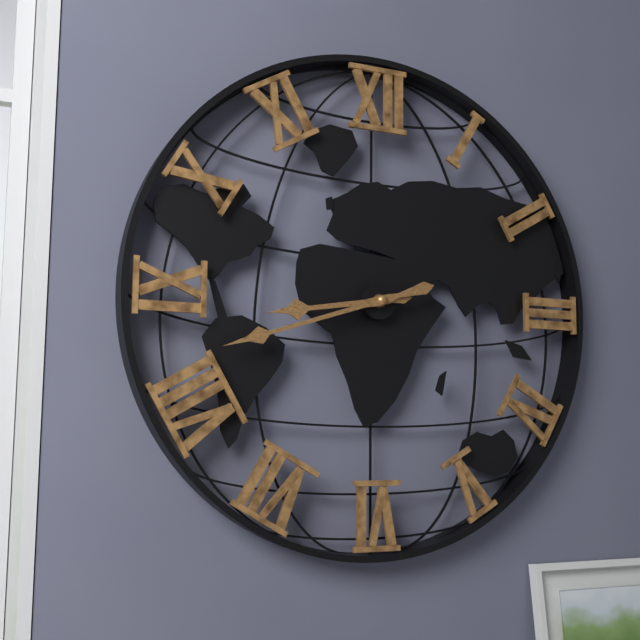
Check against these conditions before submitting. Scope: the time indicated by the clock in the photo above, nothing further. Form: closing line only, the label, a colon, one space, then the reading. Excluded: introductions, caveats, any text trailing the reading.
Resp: 8:42
